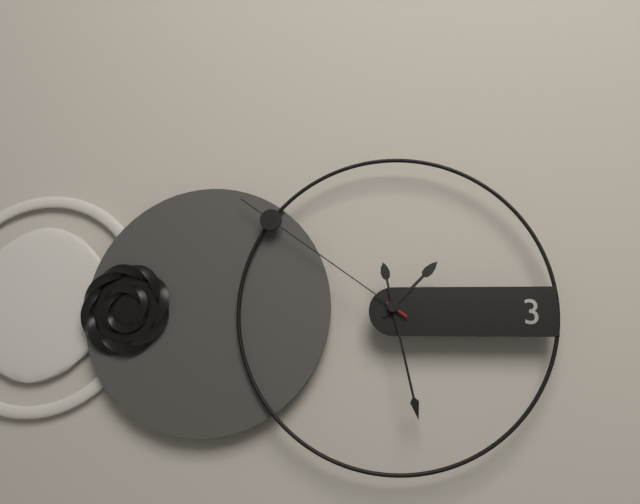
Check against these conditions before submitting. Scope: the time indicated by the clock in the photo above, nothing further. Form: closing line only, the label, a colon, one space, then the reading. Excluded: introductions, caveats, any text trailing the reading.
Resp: 1:28:51
